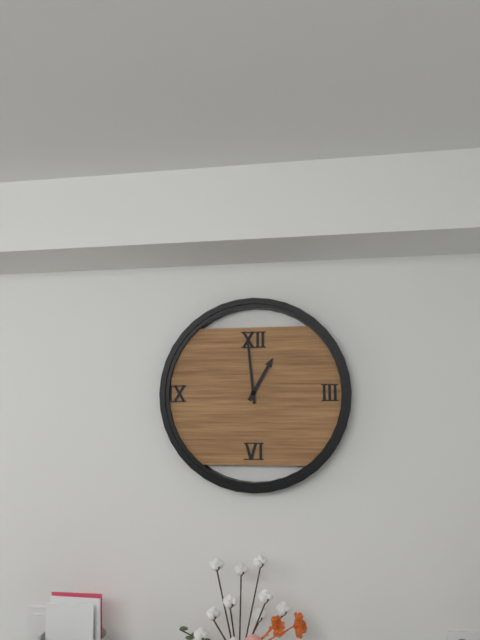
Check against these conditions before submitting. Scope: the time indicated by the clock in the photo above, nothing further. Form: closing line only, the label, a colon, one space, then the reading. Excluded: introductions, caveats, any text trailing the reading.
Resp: 12:59
